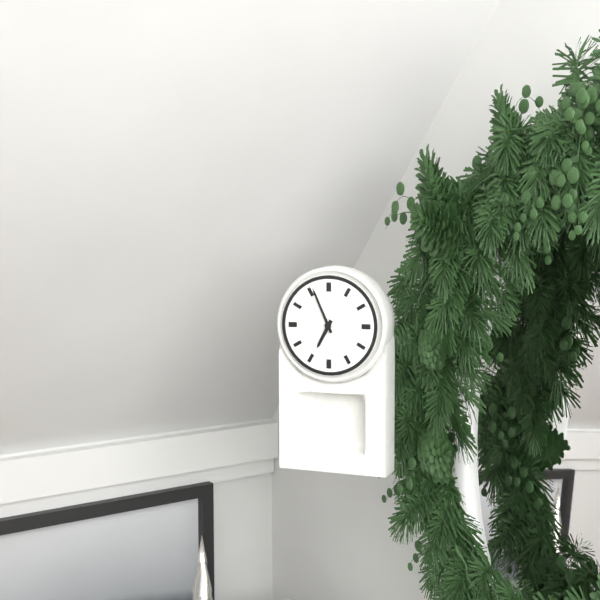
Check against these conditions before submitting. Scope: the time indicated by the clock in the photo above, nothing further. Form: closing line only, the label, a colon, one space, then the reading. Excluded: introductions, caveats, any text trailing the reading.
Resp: 6:56
